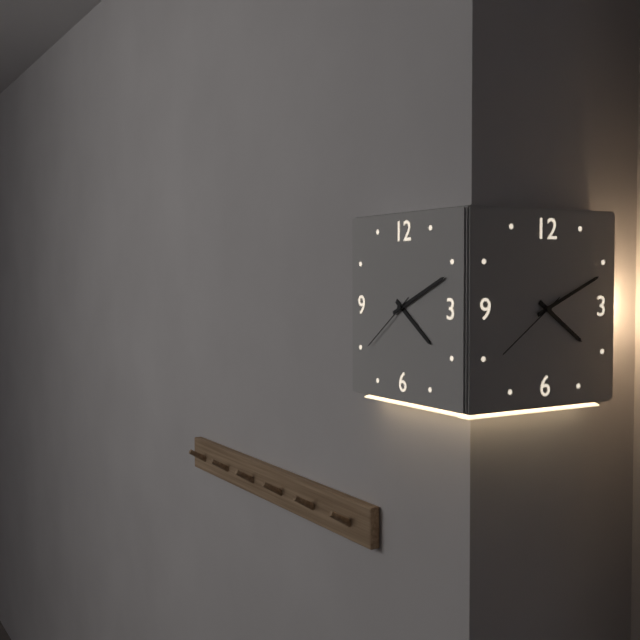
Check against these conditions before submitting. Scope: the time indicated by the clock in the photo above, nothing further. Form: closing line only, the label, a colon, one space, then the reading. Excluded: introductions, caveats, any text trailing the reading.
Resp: 4:11:39
